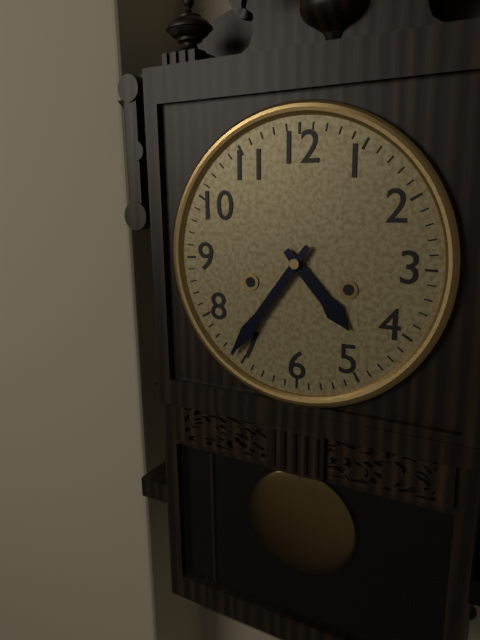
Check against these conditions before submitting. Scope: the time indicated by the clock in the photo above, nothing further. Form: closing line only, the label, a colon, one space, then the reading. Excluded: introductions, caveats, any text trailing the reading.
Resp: 4:36
